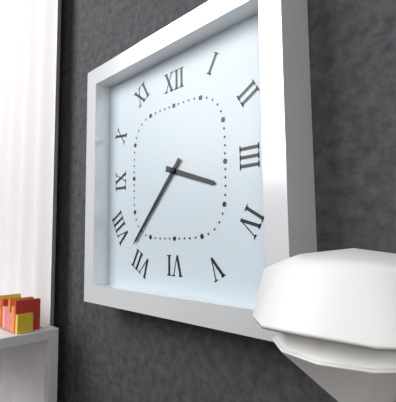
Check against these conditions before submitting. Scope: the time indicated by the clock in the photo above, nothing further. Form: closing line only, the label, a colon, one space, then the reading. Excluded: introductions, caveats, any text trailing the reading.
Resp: 3:37
